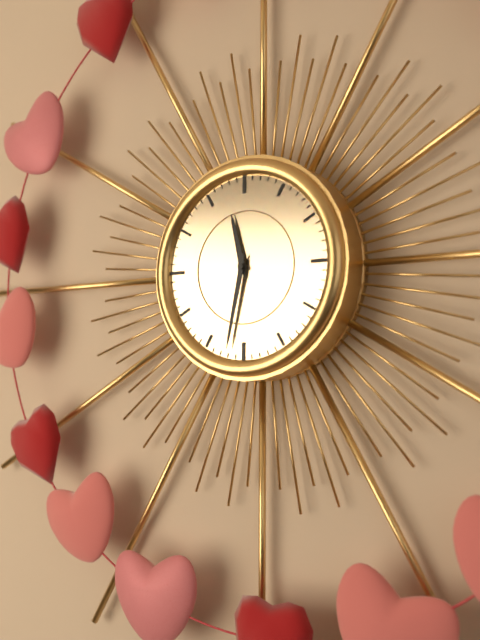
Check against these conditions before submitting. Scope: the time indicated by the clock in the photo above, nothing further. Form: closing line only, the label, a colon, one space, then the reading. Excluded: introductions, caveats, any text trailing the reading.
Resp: 11:32
